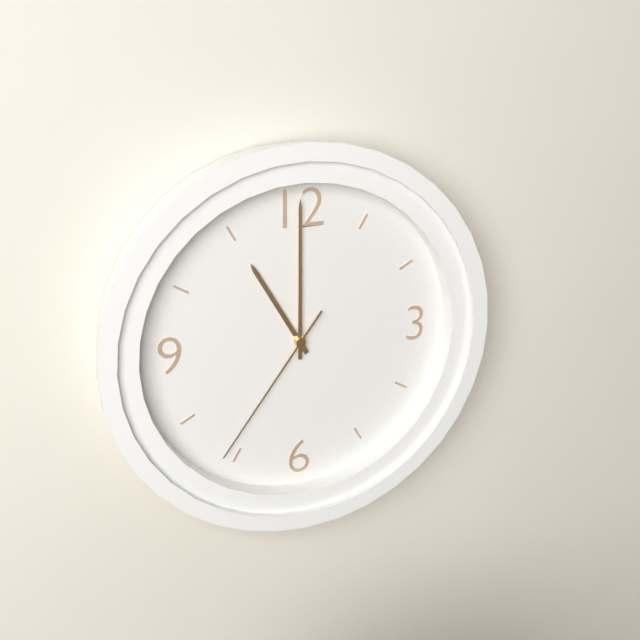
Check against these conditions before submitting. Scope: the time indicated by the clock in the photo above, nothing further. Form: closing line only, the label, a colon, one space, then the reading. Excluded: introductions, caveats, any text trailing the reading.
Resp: 11:00:36
